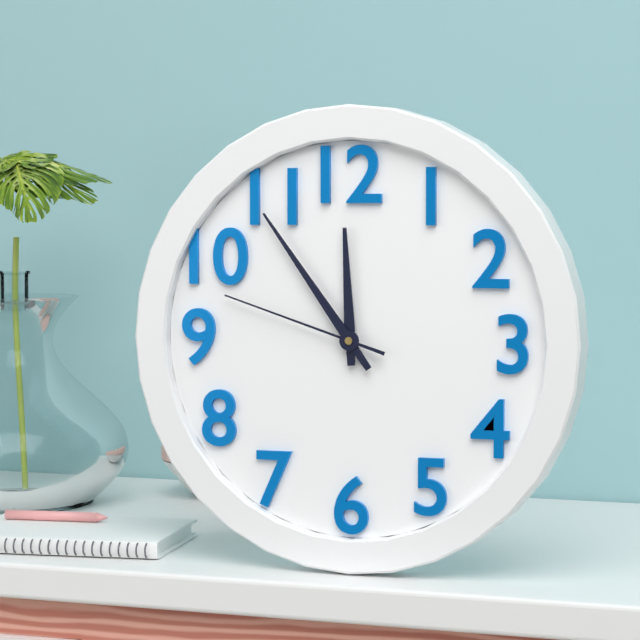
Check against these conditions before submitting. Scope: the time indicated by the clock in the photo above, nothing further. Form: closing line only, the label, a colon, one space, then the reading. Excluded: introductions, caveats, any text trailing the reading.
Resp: 11:54:48
